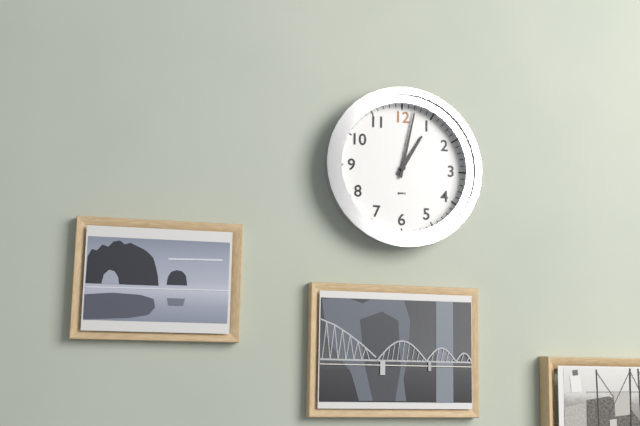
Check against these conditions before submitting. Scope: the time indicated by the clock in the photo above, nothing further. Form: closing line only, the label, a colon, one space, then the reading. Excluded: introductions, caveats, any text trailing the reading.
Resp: 1:02
